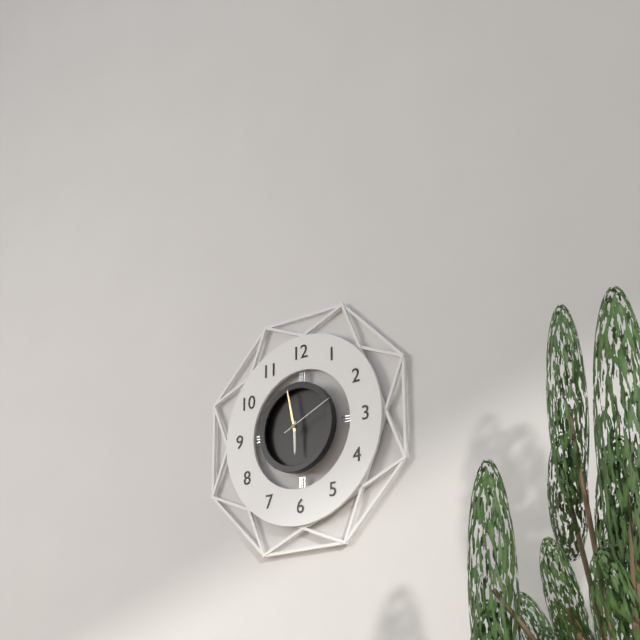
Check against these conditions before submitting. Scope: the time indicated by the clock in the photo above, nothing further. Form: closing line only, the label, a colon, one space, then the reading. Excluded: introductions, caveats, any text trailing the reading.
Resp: 5:58:11
